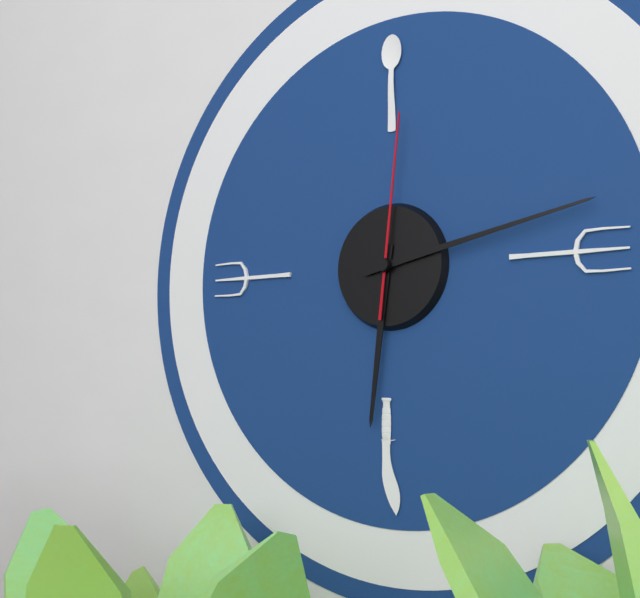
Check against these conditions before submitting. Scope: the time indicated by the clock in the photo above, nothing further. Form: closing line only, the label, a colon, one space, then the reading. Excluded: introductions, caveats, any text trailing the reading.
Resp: 6:13:01
